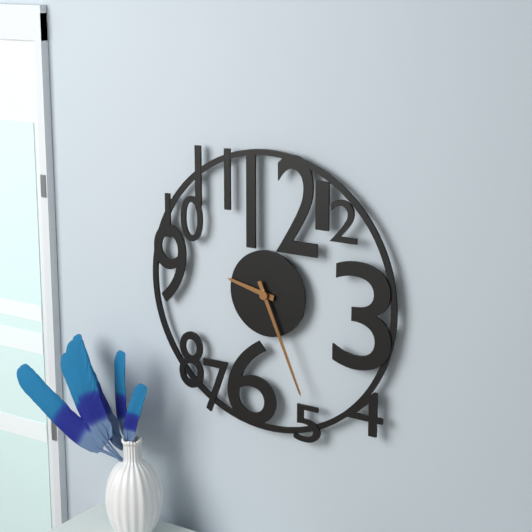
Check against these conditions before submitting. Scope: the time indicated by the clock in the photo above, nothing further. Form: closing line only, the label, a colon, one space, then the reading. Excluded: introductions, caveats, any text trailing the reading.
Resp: 9:26
